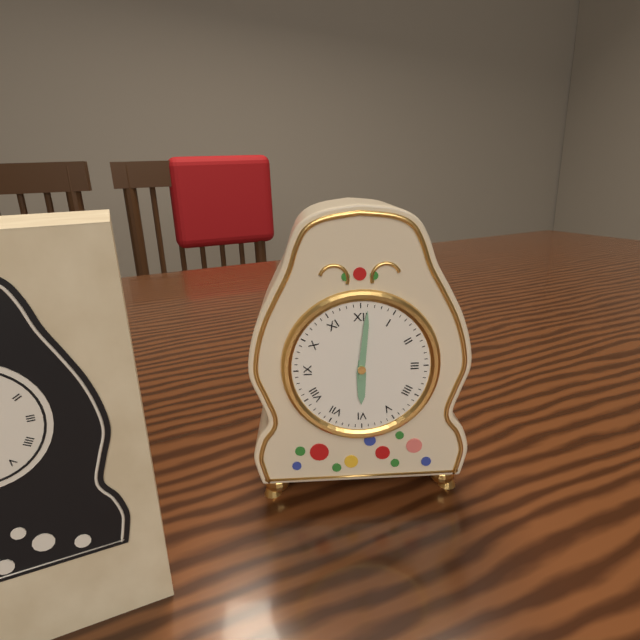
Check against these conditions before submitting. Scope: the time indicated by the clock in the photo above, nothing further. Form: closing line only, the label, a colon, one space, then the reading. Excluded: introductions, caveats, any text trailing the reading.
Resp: 6:01
